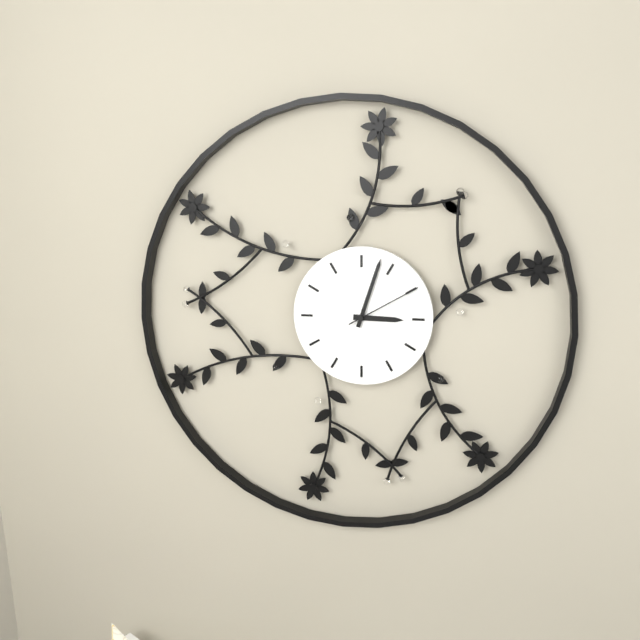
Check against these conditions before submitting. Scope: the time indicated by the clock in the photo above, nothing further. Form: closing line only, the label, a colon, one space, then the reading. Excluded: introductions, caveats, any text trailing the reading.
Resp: 3:03:10
